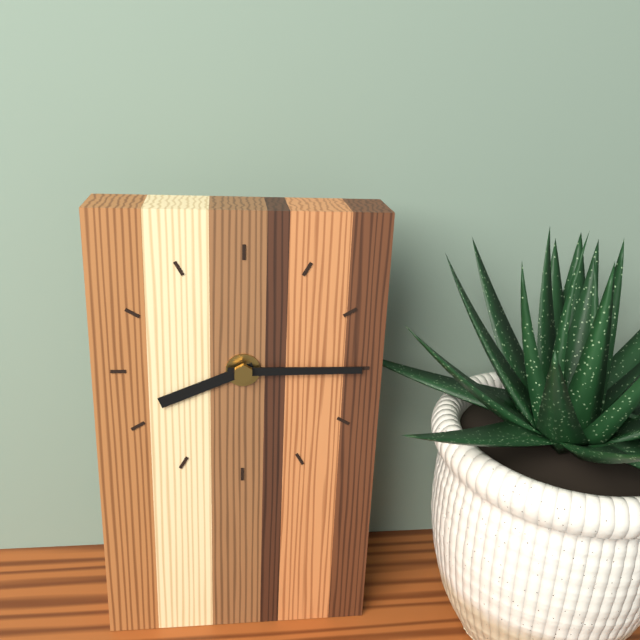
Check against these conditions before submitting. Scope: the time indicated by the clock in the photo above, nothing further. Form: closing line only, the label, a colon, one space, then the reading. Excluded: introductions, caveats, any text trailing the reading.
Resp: 8:15
